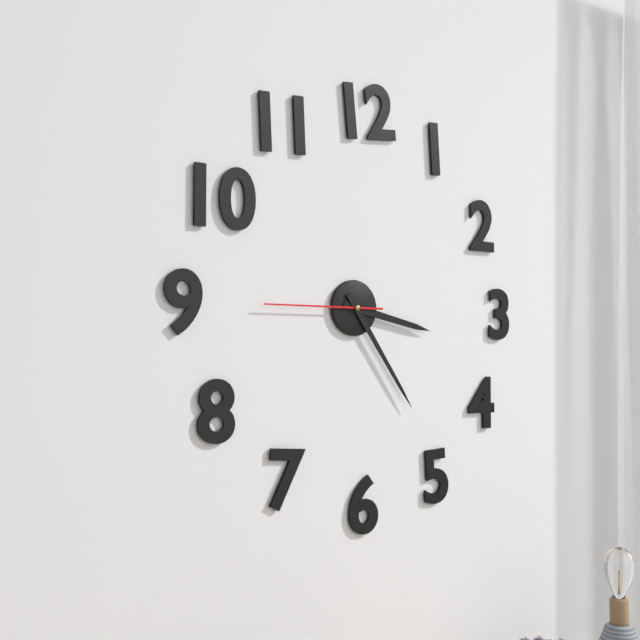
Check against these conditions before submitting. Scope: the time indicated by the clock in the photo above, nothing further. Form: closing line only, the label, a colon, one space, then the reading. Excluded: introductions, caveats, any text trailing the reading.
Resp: 3:24:45
